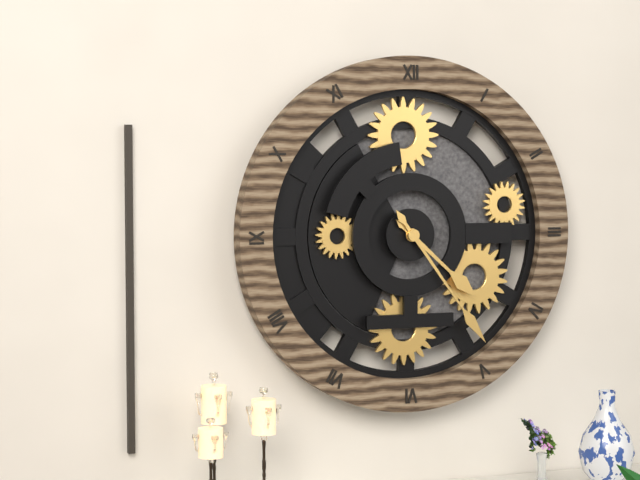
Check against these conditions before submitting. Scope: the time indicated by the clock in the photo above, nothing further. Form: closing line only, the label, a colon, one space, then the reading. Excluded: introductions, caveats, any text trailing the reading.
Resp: 4:24
